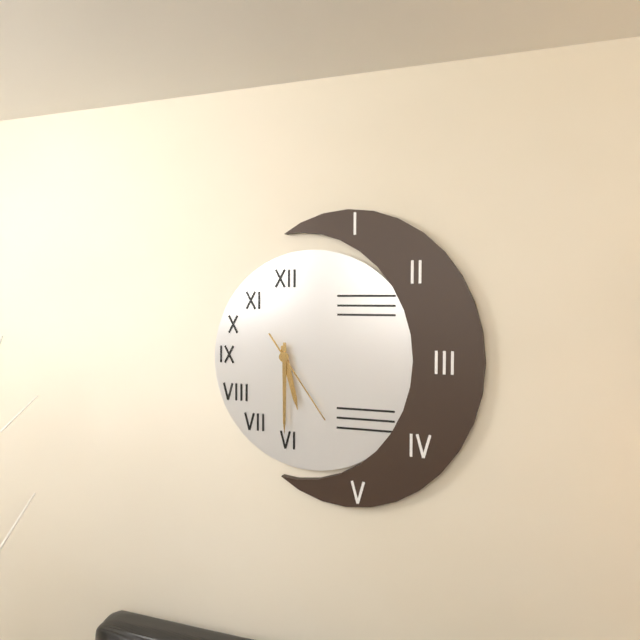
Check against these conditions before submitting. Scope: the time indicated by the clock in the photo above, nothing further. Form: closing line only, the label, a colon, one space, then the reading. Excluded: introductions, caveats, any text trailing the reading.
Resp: 5:30:24
